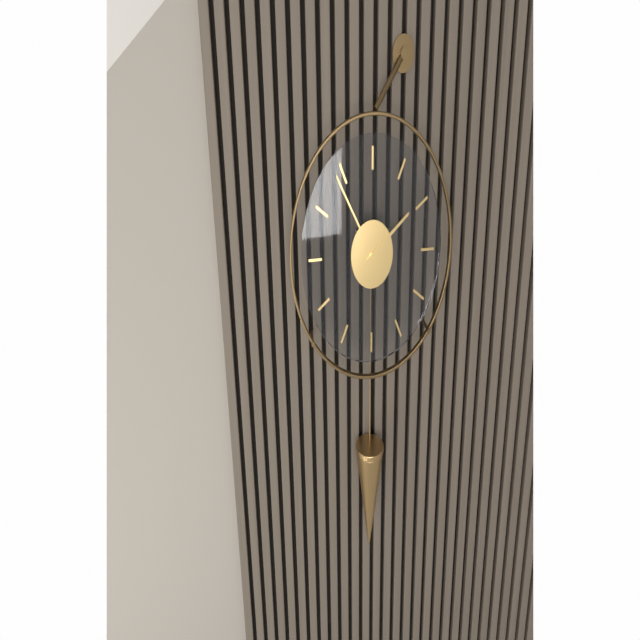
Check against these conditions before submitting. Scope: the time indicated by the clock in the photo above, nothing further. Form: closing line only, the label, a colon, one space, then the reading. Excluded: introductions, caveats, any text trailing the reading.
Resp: 1:54
